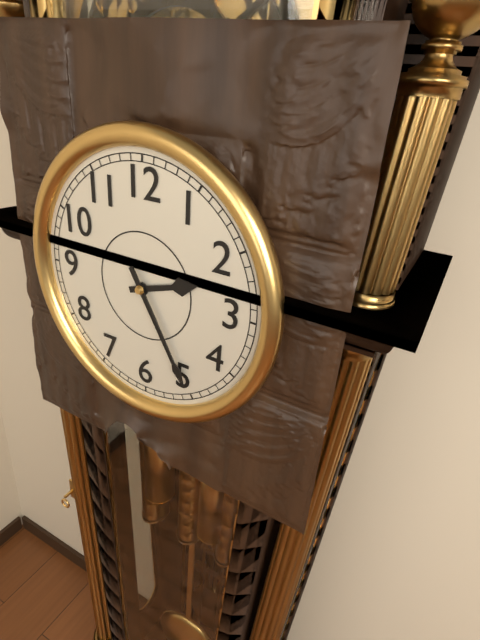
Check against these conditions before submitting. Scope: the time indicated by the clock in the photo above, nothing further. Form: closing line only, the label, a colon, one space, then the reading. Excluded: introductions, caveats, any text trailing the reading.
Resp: 2:25
